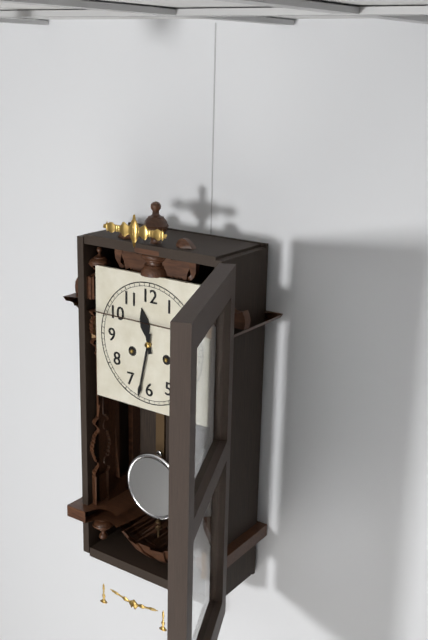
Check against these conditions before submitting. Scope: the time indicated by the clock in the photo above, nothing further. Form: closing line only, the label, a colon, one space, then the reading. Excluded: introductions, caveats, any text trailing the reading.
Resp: 11:32
